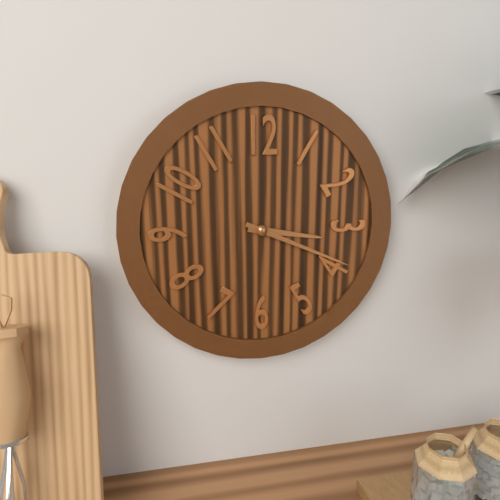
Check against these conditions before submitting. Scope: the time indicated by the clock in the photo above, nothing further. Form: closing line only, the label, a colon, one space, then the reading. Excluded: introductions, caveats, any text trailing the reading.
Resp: 3:19
